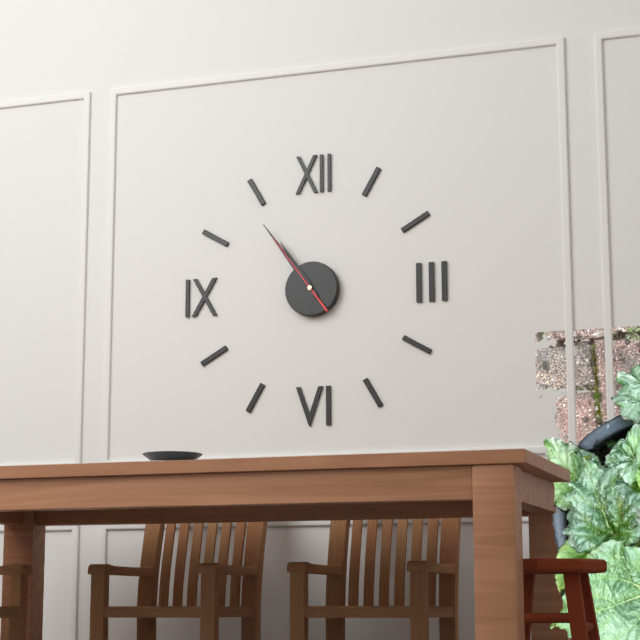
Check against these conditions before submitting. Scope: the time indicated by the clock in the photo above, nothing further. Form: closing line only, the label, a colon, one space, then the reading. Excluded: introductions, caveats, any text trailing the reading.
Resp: 10:54:54
